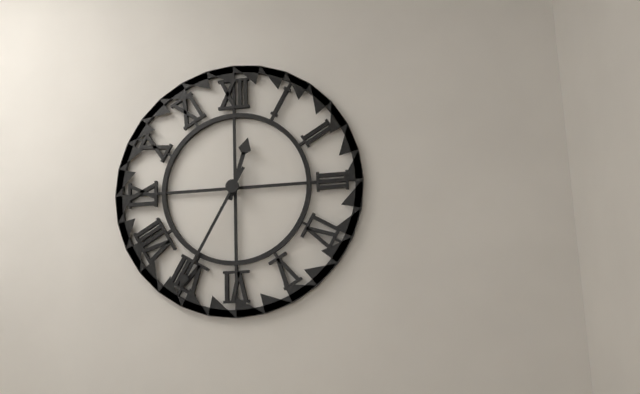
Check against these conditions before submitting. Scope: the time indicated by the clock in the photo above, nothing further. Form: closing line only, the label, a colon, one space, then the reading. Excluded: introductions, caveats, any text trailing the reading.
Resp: 12:35
